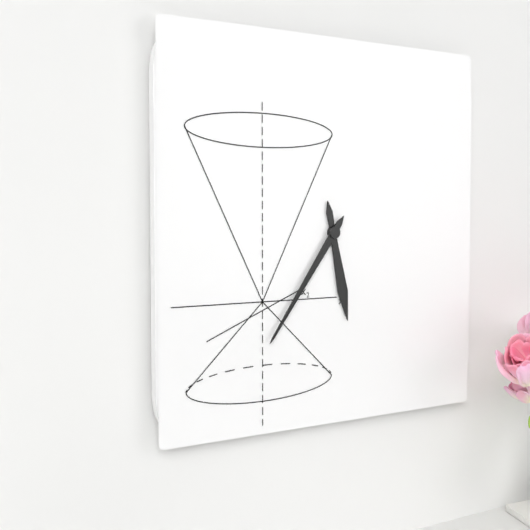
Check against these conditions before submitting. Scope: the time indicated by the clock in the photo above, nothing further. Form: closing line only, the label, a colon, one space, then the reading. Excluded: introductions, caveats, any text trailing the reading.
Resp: 5:36
